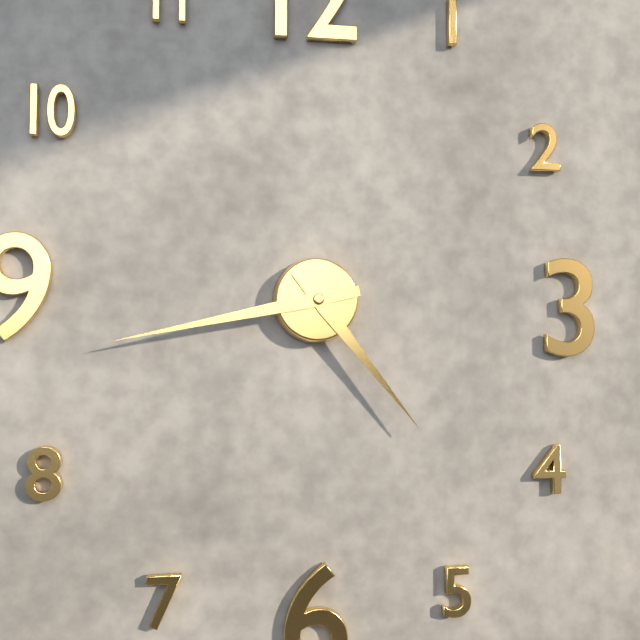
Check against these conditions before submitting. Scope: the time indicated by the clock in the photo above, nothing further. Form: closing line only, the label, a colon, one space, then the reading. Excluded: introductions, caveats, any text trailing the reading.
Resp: 4:43
